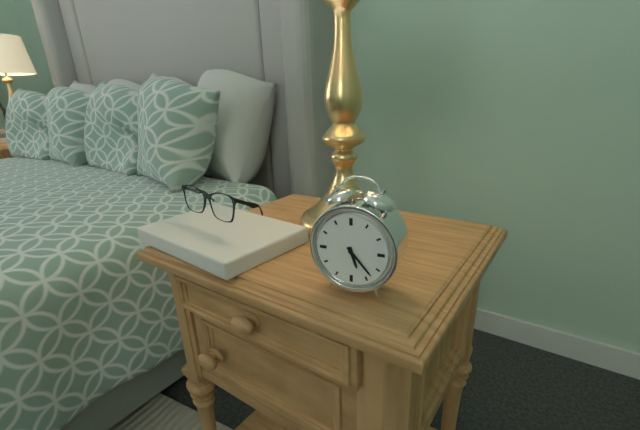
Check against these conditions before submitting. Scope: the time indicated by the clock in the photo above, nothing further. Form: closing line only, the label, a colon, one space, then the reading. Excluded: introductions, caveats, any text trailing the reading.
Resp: 5:23
